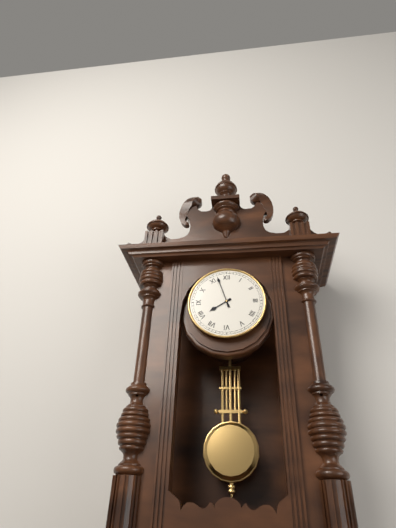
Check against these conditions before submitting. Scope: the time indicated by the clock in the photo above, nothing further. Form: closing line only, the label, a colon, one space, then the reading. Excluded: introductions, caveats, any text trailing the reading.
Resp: 7:57
